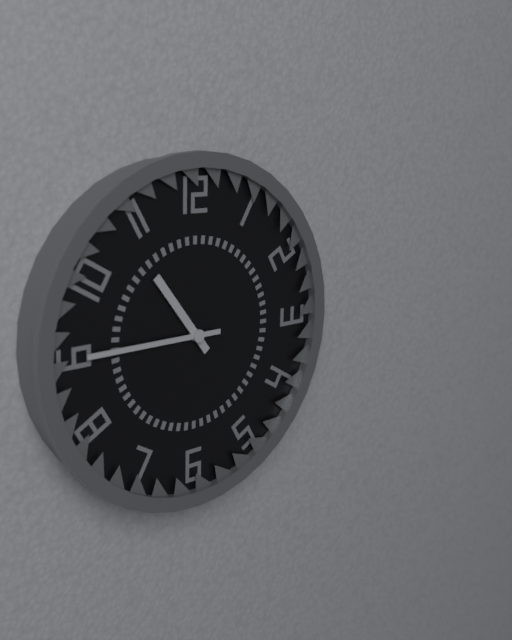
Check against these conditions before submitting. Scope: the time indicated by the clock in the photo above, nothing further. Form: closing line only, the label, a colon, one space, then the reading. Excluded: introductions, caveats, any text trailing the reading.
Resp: 10:45
